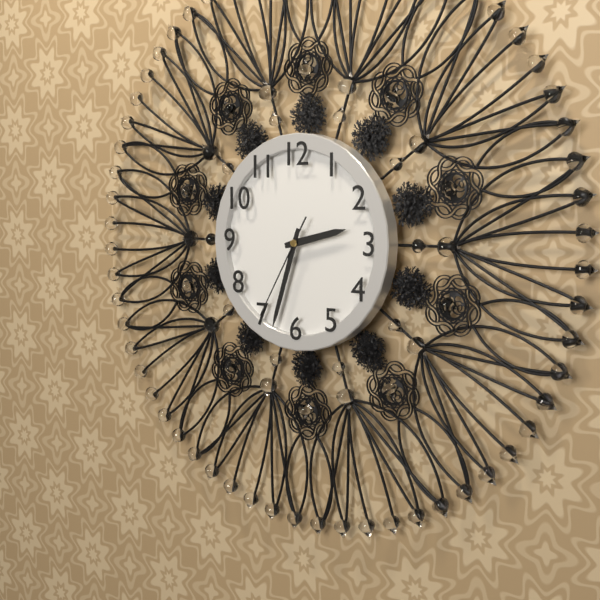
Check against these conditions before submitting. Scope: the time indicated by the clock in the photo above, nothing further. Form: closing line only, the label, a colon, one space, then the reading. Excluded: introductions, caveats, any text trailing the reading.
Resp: 2:33:35
